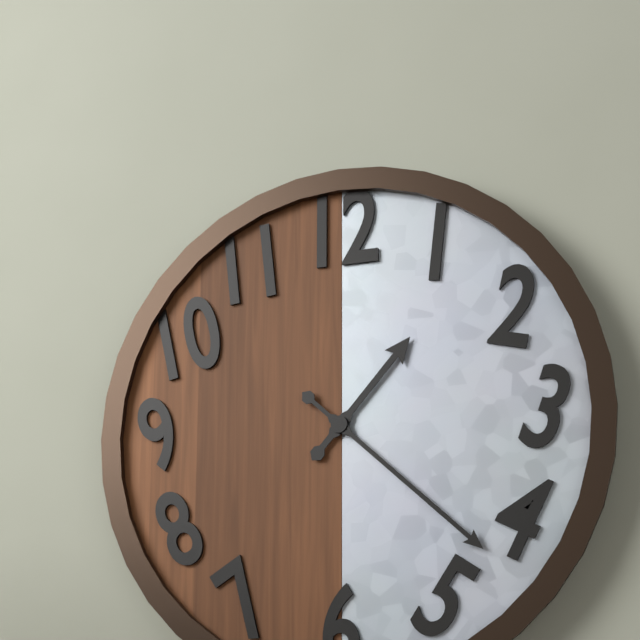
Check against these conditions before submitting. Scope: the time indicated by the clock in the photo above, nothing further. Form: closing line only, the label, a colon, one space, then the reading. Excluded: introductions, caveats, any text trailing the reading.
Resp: 1:22
